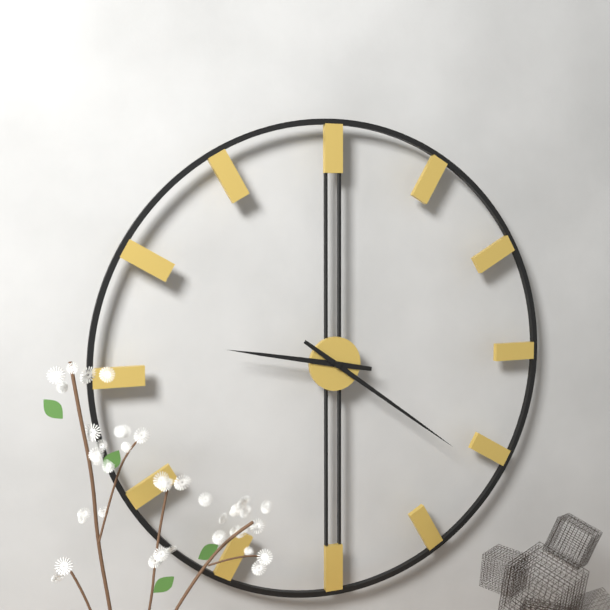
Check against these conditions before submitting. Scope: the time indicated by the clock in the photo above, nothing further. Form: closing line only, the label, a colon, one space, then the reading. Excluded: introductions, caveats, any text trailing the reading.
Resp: 9:21
